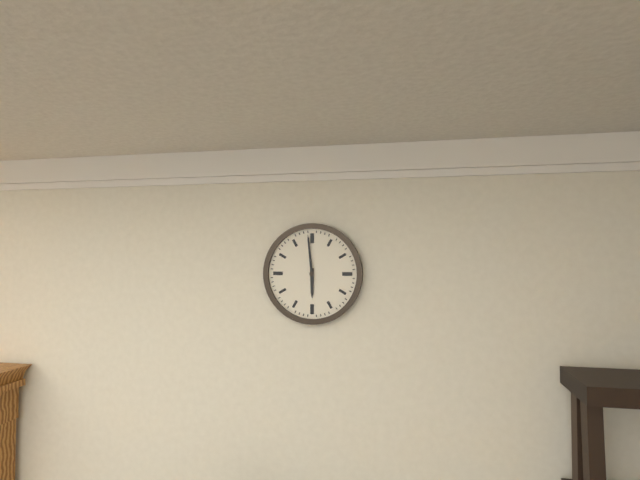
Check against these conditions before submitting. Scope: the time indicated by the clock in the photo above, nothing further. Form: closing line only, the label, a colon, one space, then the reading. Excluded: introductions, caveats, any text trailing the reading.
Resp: 5:59
